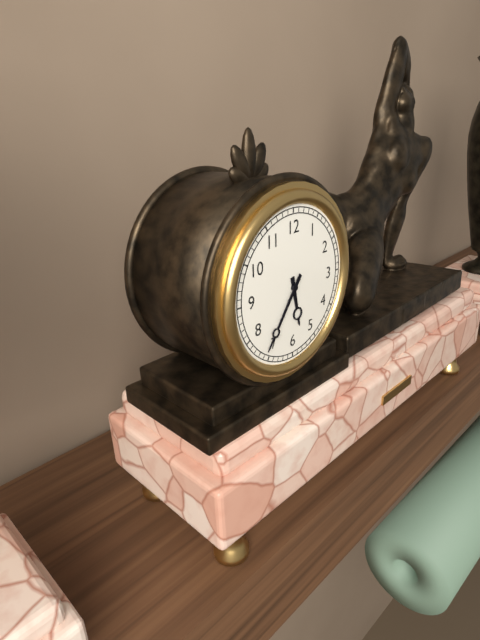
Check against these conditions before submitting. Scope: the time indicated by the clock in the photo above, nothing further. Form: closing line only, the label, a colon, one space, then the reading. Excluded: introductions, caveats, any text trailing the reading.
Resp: 5:36
